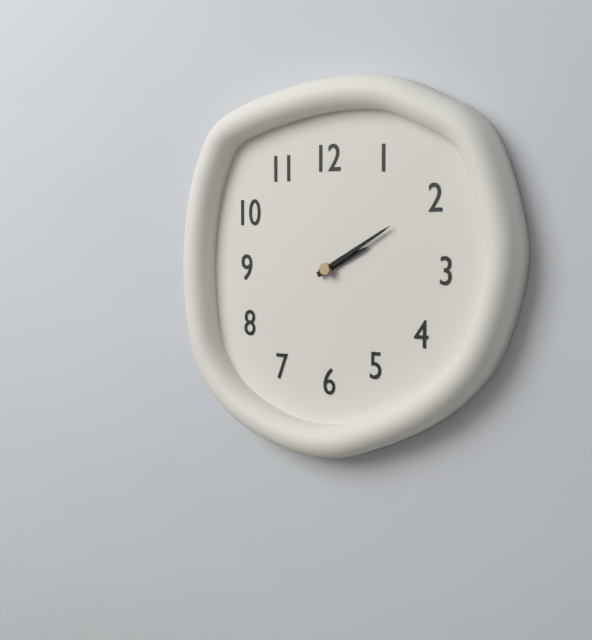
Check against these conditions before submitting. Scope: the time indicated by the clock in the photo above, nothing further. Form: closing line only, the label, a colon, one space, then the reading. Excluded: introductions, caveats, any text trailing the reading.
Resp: 2:10
